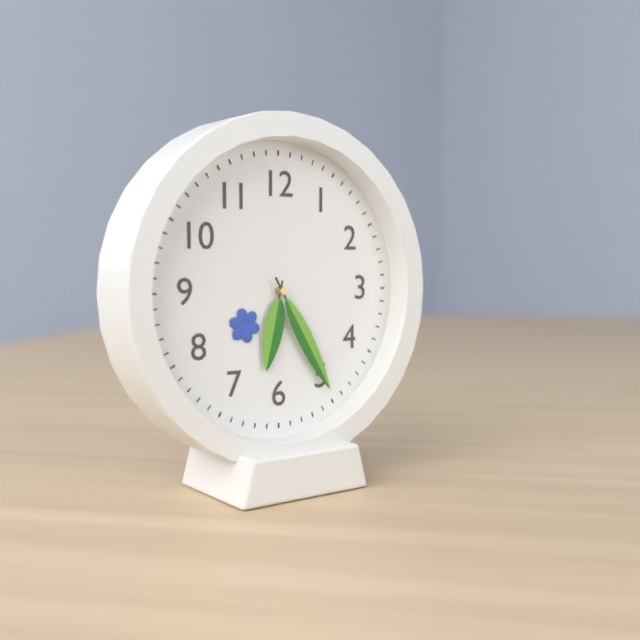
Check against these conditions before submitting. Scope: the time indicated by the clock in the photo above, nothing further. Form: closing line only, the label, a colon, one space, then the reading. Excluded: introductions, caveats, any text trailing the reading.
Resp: 6:25
